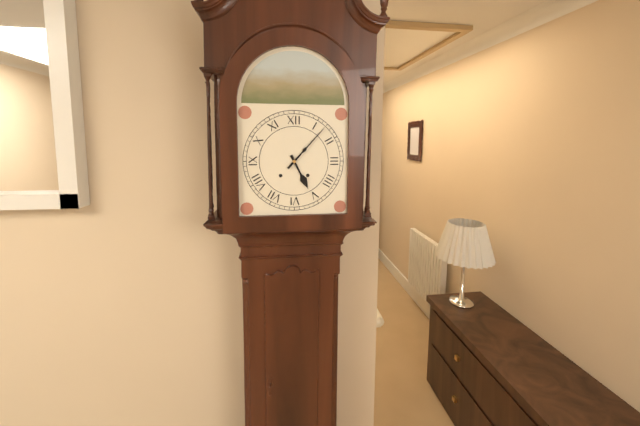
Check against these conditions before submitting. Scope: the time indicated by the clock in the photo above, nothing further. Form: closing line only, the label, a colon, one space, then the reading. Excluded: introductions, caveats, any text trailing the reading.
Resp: 5:07
